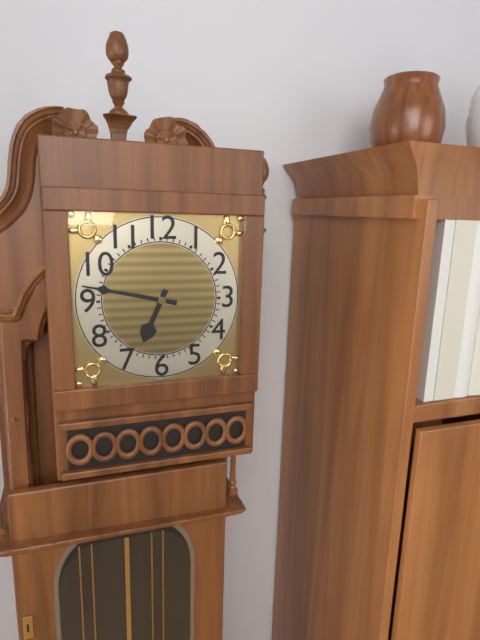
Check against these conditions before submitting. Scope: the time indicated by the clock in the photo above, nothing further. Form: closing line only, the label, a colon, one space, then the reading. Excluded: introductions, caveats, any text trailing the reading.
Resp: 6:47
